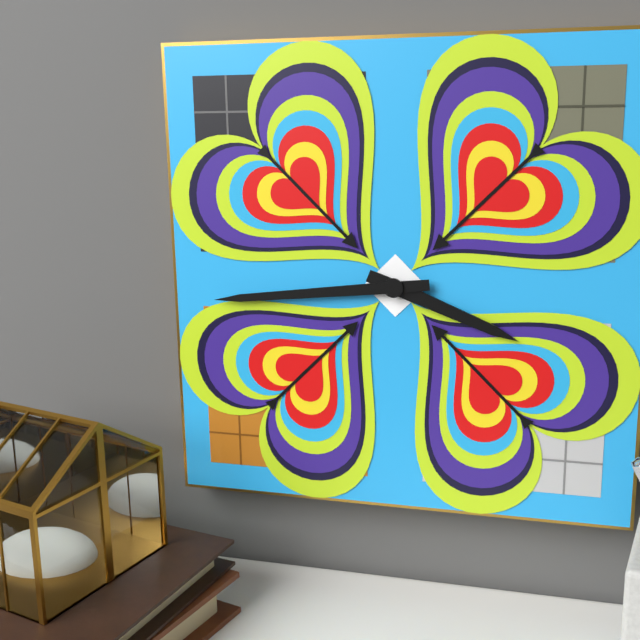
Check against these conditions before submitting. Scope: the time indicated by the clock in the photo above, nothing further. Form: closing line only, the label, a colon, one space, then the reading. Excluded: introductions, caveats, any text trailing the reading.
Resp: 3:44
